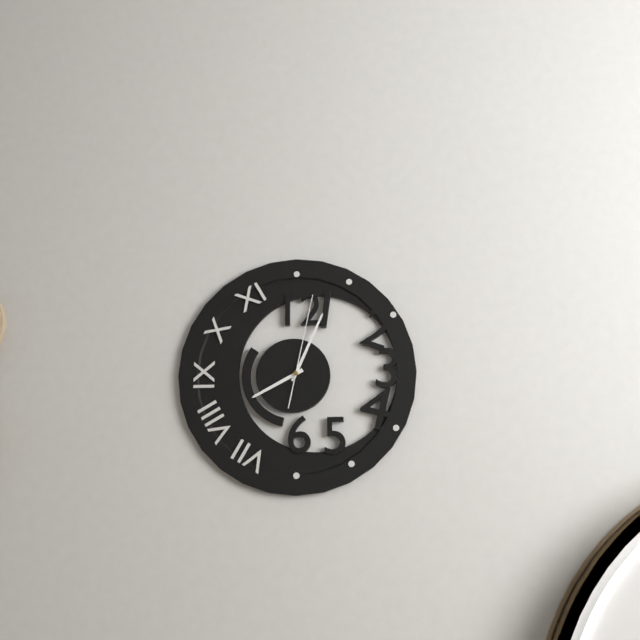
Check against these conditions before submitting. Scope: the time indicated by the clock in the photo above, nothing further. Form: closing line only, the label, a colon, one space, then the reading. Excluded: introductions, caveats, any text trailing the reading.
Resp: 8:04:02
